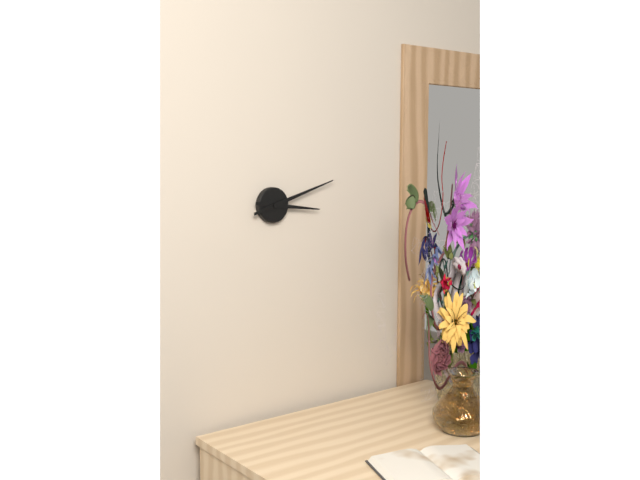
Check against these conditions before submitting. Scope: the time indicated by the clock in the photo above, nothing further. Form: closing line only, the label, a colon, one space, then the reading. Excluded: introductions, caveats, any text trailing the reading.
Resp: 3:12
